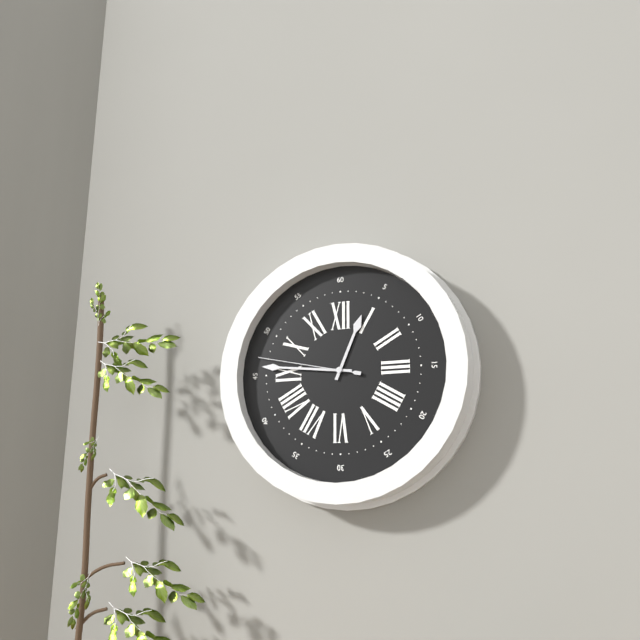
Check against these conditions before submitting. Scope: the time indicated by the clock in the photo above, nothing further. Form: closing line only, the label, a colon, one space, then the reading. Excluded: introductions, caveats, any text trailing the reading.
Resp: 12:46:47
